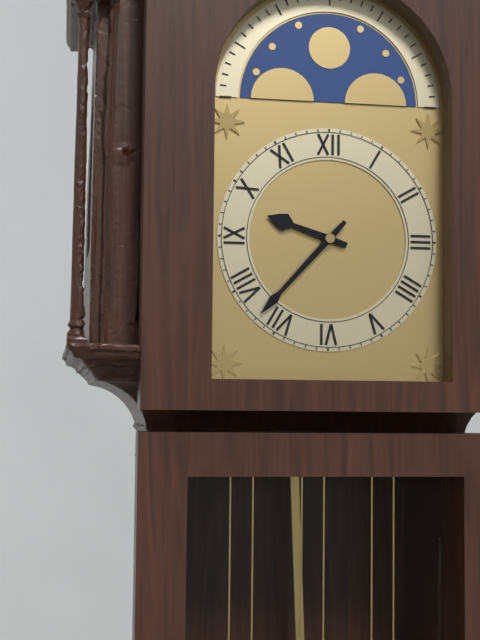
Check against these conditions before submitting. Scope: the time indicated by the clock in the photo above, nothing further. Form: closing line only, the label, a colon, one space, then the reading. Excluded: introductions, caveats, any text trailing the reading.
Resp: 9:37
